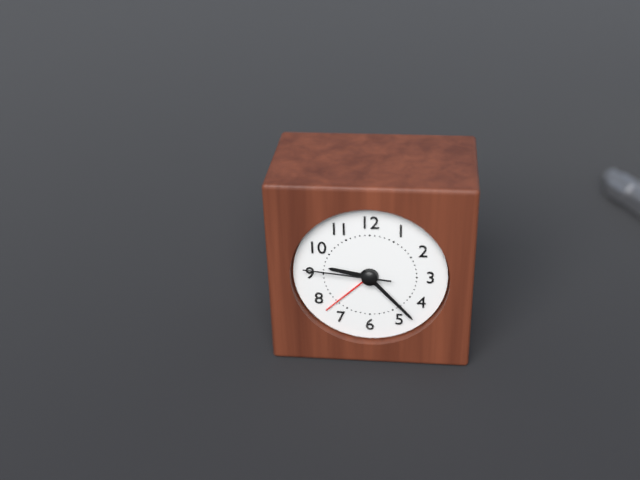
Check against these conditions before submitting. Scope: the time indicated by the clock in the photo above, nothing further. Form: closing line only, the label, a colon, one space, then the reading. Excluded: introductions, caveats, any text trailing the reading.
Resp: 9:23:46
